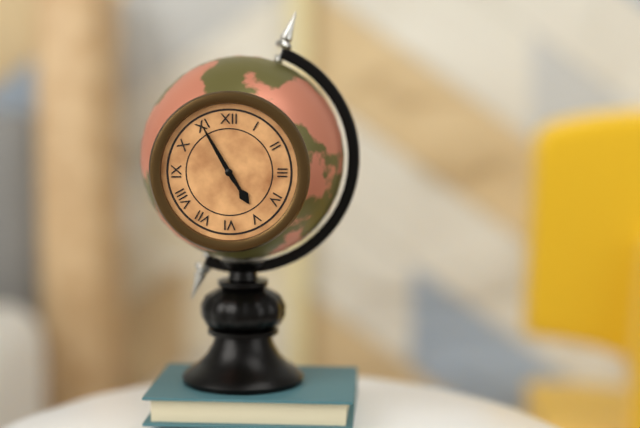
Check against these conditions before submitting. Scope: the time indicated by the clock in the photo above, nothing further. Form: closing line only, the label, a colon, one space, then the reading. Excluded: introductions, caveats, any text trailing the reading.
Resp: 4:55
